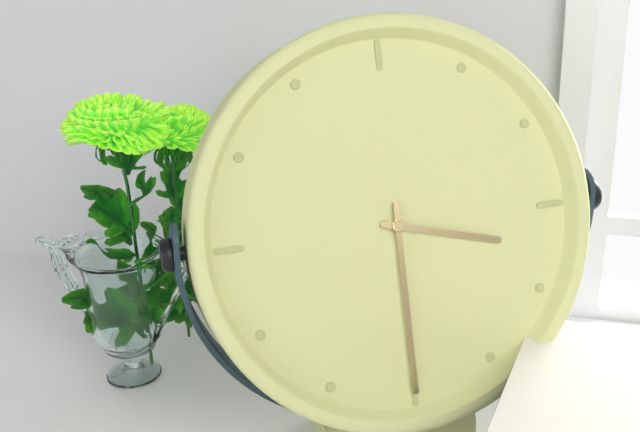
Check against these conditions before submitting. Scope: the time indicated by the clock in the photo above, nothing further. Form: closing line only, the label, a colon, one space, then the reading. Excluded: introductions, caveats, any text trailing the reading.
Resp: 3:30
